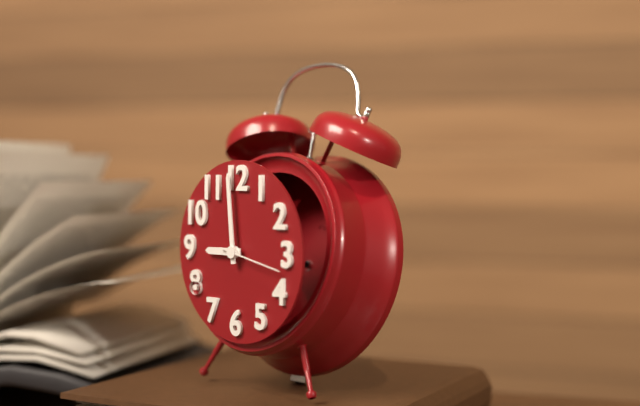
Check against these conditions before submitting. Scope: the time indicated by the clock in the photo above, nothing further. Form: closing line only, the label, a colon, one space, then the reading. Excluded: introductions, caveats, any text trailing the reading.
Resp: 8:59:17
